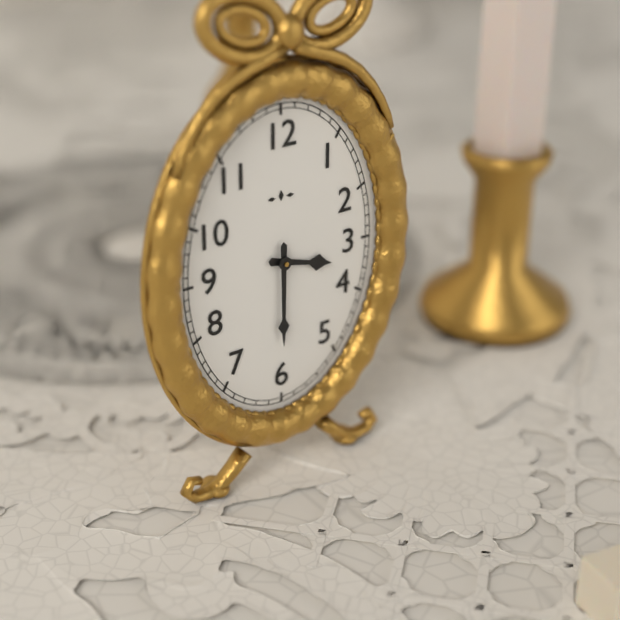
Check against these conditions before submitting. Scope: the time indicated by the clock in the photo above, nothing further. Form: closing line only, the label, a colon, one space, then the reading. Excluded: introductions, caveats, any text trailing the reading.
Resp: 3:30
